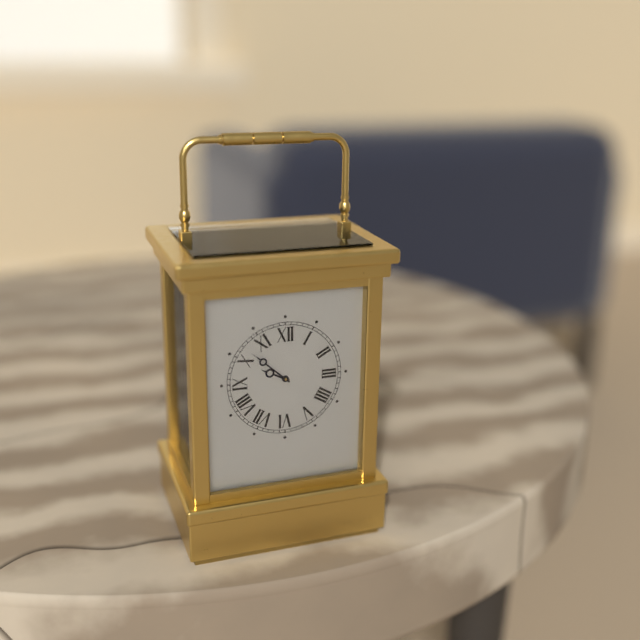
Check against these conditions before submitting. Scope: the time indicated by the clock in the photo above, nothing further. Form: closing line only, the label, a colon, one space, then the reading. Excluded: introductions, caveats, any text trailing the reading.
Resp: 9:52
